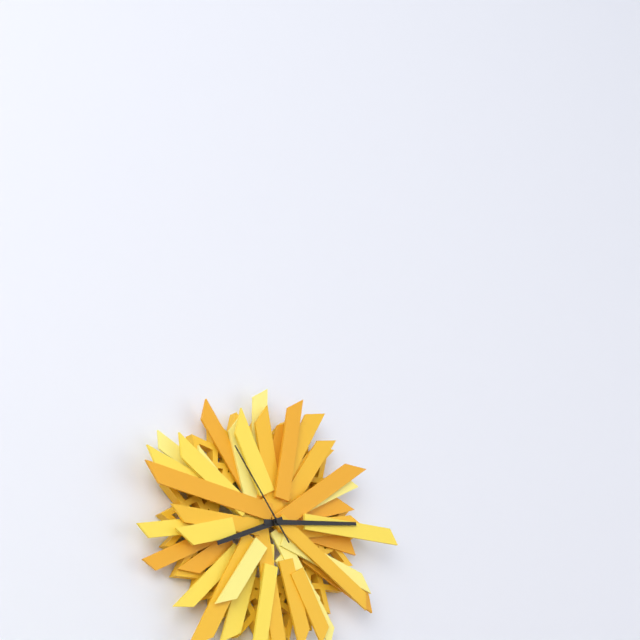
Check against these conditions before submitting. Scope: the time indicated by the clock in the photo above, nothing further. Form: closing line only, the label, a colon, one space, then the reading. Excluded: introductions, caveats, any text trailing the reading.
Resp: 8:14:54
